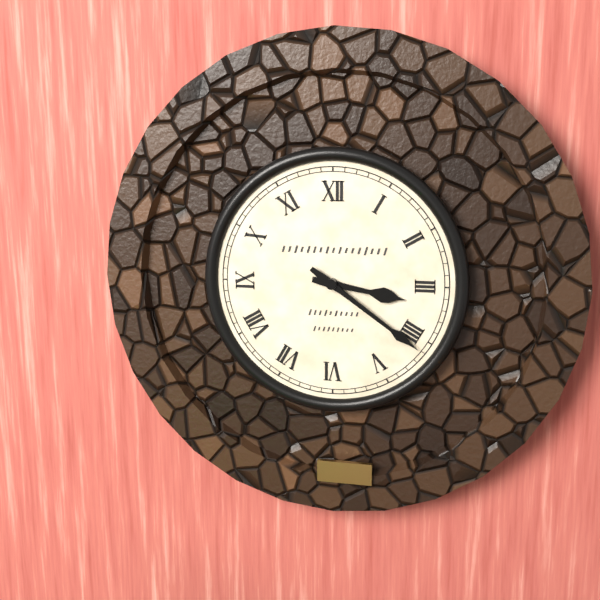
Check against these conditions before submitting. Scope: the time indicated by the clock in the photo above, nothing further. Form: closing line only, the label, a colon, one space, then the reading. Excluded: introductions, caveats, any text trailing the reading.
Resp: 3:21
